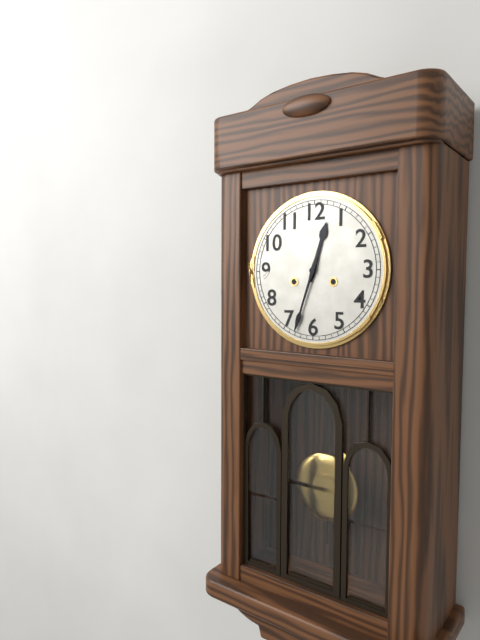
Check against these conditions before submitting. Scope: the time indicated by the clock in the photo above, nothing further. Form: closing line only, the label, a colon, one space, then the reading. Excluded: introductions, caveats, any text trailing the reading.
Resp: 12:33
